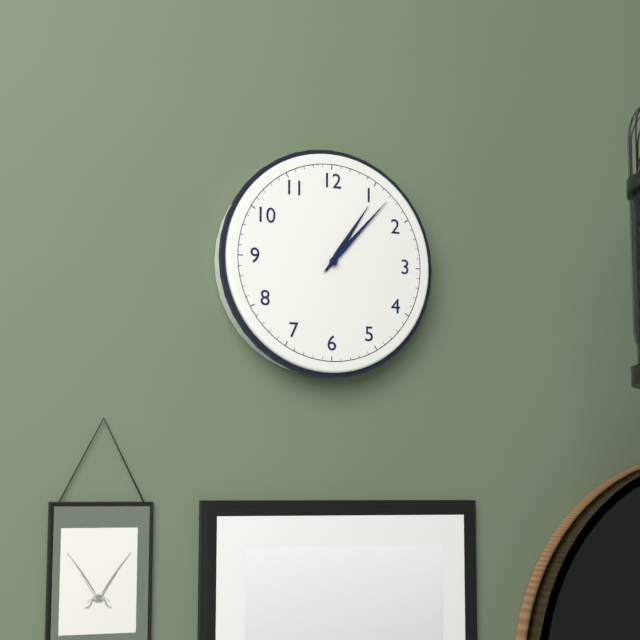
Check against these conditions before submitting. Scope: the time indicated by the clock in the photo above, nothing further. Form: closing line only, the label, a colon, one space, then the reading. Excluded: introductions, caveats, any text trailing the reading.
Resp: 1:07
